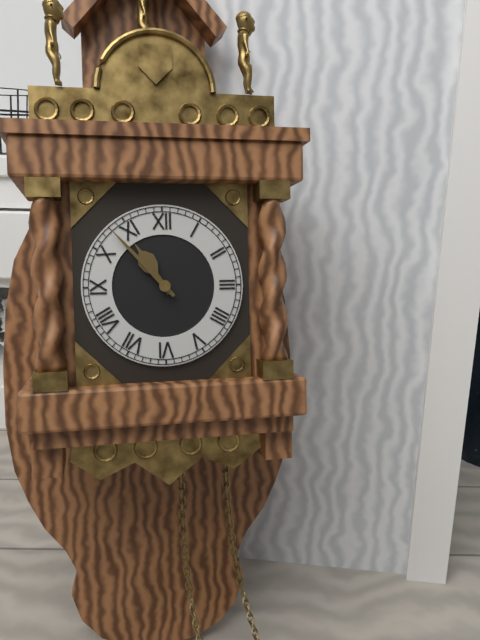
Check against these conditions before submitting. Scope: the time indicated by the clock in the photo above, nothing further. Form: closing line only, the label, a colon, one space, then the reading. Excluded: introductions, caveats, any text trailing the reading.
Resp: 10:53
